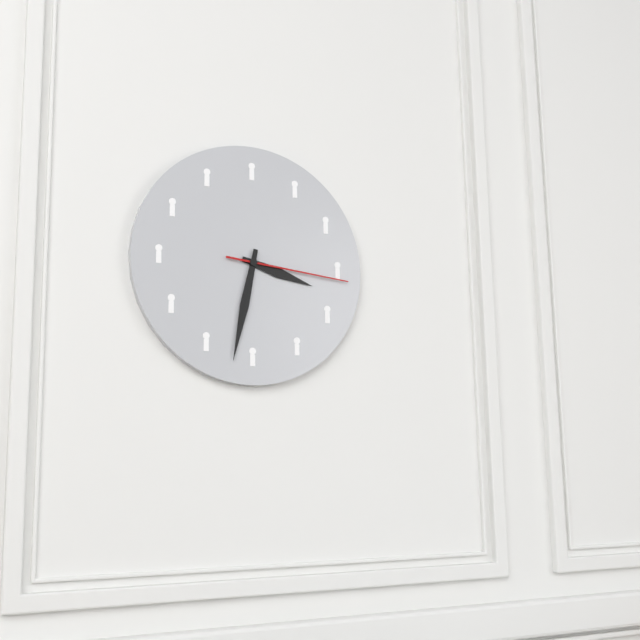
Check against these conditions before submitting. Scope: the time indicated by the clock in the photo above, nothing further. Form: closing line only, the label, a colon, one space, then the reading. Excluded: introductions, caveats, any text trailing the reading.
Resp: 3:32:16
